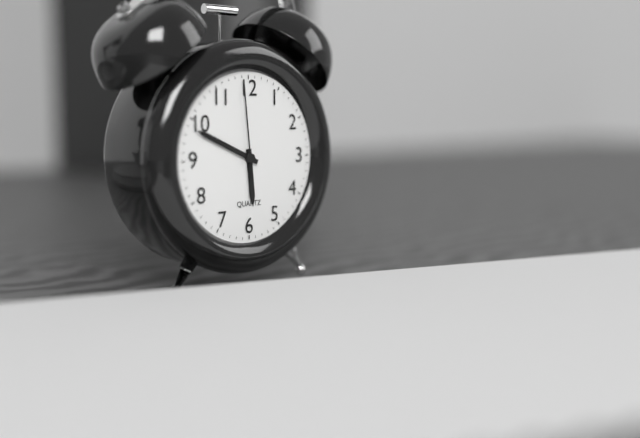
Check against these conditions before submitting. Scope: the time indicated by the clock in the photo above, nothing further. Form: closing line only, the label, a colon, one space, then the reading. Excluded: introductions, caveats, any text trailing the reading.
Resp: 5:49:59
